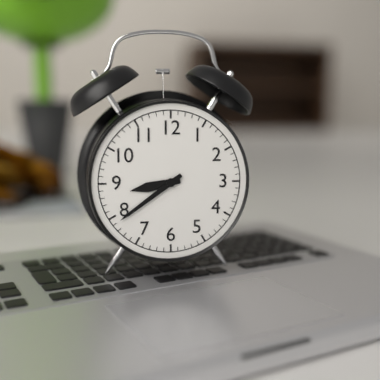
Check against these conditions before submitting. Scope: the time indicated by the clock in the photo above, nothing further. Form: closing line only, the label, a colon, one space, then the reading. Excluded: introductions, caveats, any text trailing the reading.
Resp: 8:39
